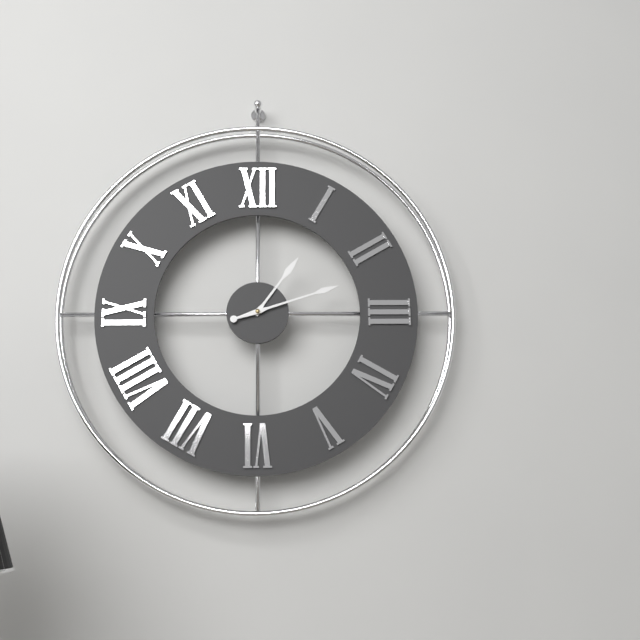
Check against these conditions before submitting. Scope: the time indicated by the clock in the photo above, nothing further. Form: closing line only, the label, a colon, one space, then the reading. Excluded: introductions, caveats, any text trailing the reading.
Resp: 1:12
